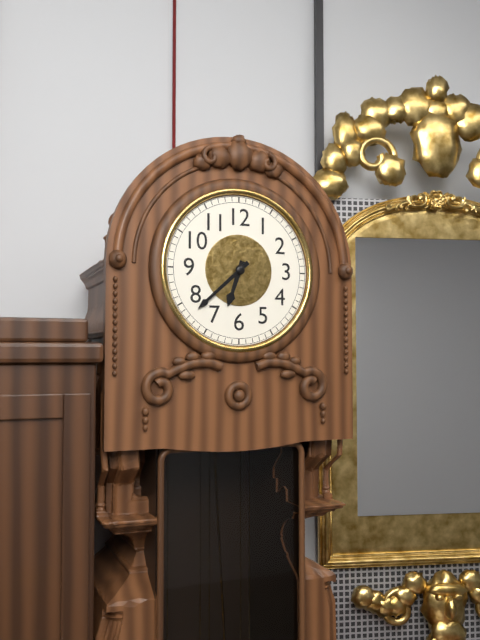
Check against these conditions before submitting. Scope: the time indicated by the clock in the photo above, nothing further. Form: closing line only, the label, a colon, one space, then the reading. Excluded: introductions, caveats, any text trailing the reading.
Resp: 6:38
